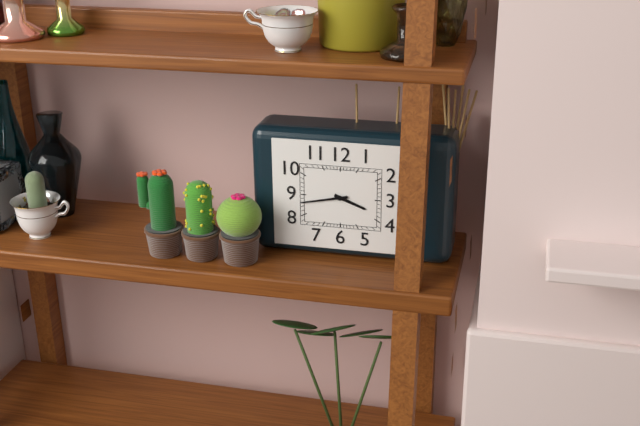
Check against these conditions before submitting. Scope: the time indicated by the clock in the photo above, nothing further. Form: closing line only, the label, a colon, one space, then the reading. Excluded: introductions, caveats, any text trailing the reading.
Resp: 3:43
